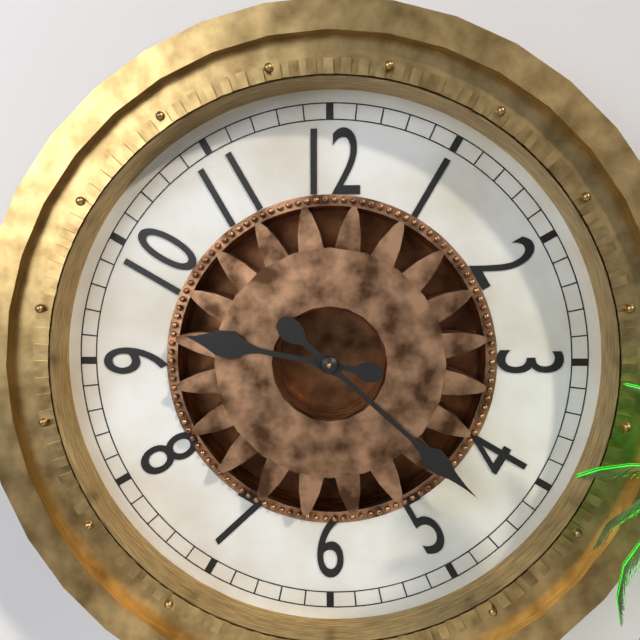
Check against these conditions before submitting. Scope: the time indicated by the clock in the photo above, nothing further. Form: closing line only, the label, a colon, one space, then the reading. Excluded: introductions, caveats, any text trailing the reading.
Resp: 9:22
